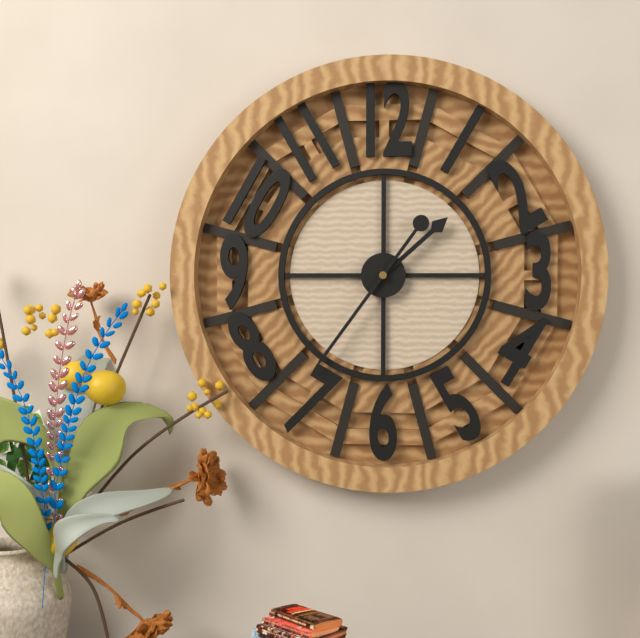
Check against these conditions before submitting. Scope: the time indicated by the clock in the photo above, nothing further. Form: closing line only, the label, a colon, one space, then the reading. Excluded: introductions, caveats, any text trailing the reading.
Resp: 1:36
